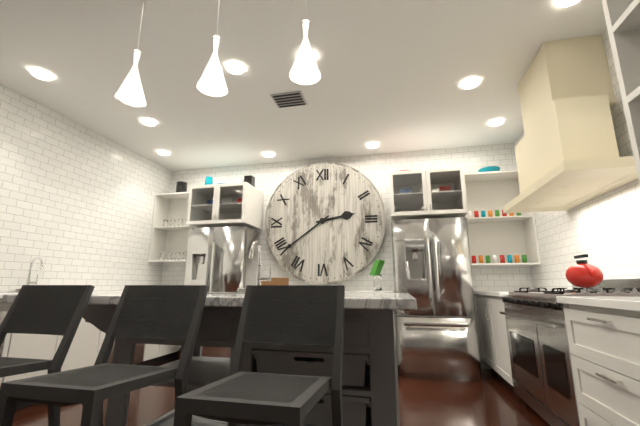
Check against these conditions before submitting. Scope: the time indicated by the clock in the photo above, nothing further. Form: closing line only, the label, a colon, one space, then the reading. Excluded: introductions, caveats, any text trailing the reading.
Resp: 2:39
